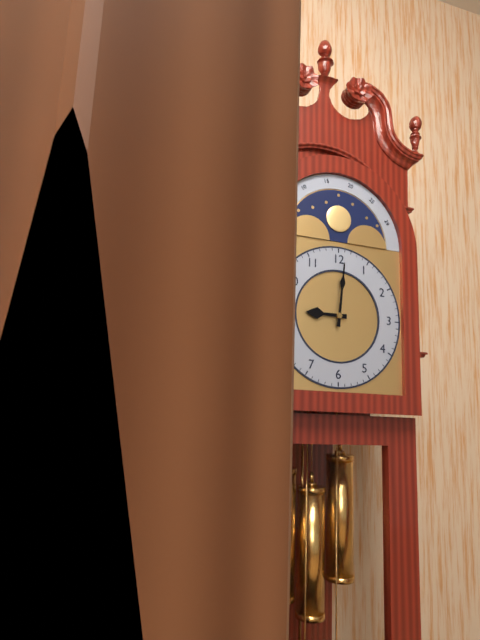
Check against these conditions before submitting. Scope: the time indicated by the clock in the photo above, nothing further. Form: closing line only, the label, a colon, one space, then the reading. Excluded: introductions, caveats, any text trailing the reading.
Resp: 9:01
